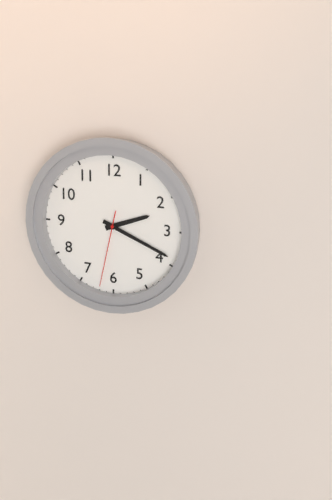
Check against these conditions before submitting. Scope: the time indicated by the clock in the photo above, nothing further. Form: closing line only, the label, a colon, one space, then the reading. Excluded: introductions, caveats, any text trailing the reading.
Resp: 2:19:32
